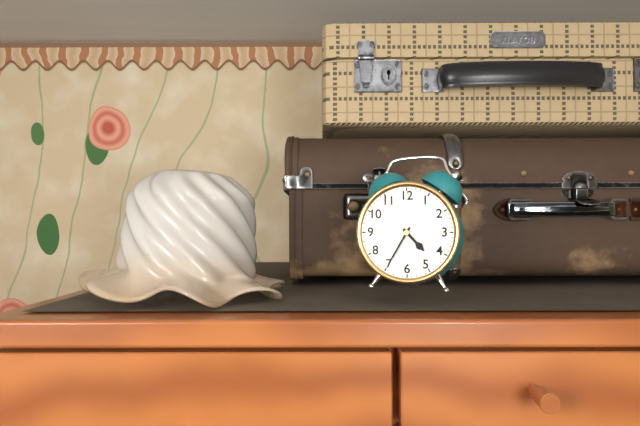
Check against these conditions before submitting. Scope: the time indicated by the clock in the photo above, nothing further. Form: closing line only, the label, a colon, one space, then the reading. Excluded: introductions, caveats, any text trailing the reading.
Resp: 4:35
